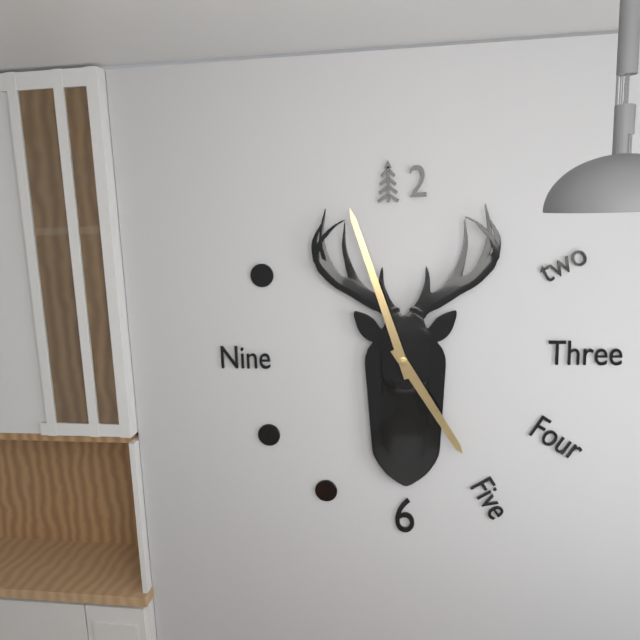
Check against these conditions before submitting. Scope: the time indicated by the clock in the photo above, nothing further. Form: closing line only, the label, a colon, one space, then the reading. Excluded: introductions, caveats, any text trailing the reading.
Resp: 4:57
